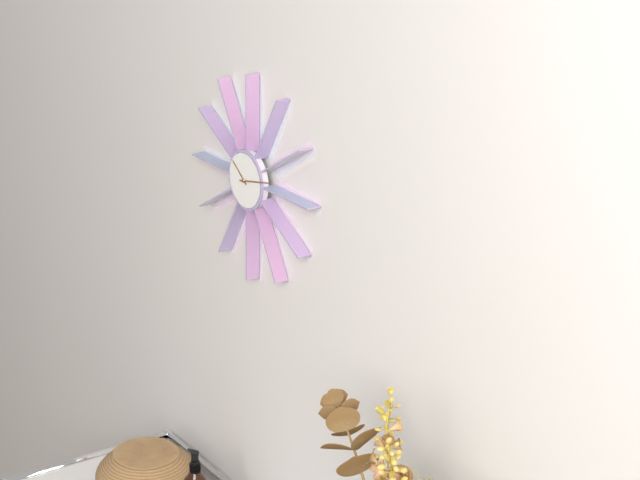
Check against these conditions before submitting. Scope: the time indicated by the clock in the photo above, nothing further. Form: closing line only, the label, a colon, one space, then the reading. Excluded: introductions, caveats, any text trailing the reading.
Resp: 10:13
